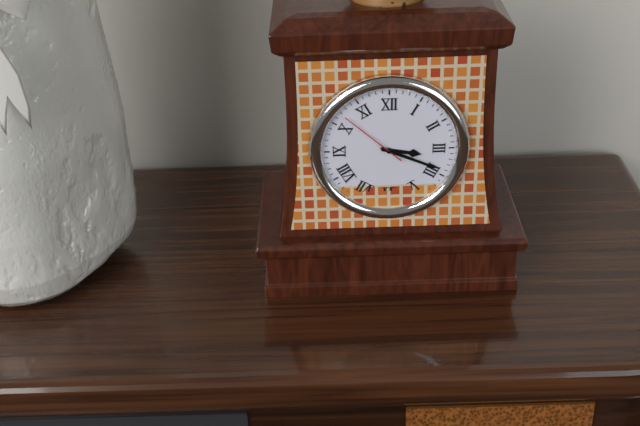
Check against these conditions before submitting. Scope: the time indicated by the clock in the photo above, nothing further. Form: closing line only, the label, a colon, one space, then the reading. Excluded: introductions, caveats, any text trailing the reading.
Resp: 3:19:52
